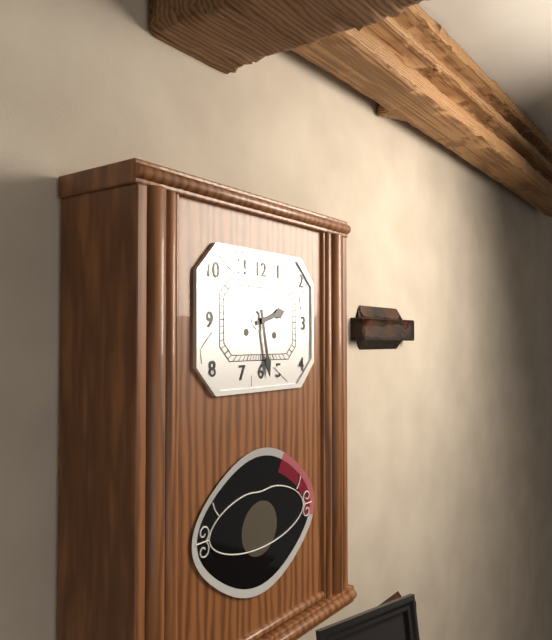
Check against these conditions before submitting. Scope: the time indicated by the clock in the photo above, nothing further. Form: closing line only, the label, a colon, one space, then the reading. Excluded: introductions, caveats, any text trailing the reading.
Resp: 2:28
